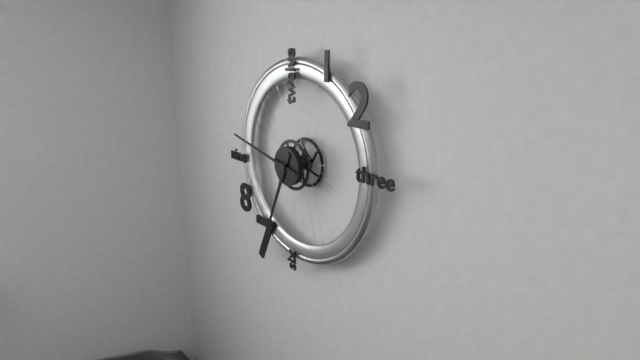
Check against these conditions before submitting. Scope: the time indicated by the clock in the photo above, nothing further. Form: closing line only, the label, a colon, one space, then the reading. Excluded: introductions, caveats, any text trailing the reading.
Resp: 6:47
